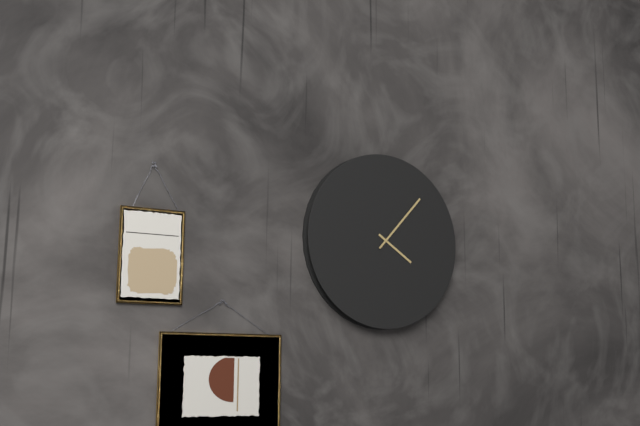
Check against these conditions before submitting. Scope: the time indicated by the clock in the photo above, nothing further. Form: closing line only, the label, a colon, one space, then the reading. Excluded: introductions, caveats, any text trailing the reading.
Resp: 4:07
